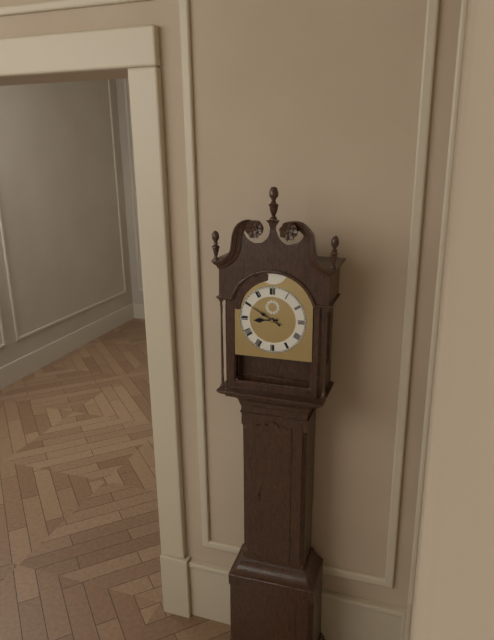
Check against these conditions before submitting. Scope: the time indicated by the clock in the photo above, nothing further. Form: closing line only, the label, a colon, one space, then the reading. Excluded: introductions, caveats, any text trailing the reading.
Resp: 8:50
